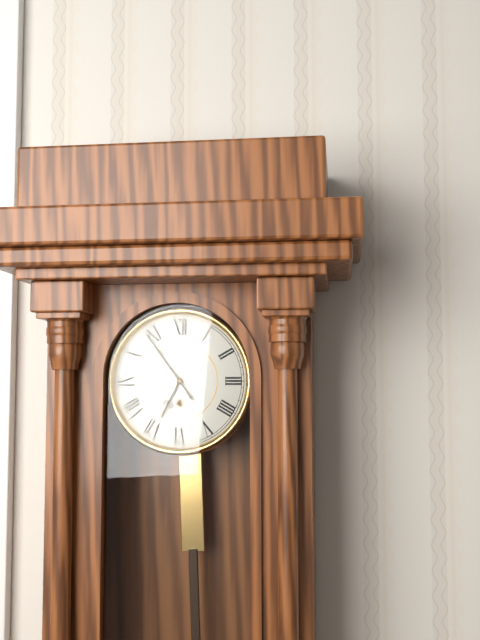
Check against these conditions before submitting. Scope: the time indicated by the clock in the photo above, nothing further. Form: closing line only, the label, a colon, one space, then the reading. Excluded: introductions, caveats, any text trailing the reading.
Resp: 6:54
